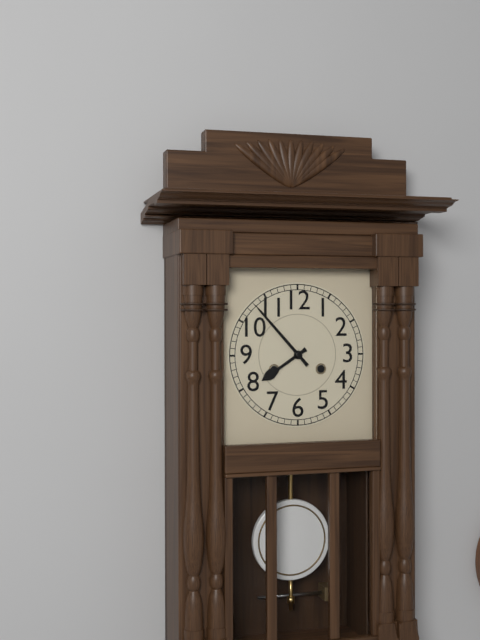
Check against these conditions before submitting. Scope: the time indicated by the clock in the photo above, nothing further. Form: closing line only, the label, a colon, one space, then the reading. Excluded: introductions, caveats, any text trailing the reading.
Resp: 7:53
